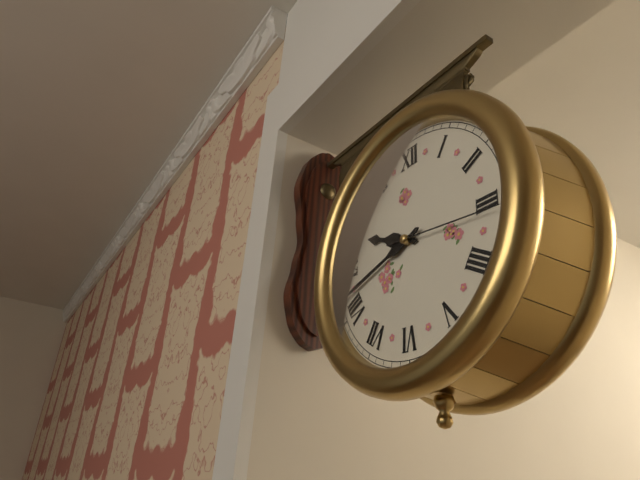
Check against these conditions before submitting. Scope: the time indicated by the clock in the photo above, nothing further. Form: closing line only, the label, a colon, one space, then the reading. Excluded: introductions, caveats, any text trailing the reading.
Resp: 9:42:16
